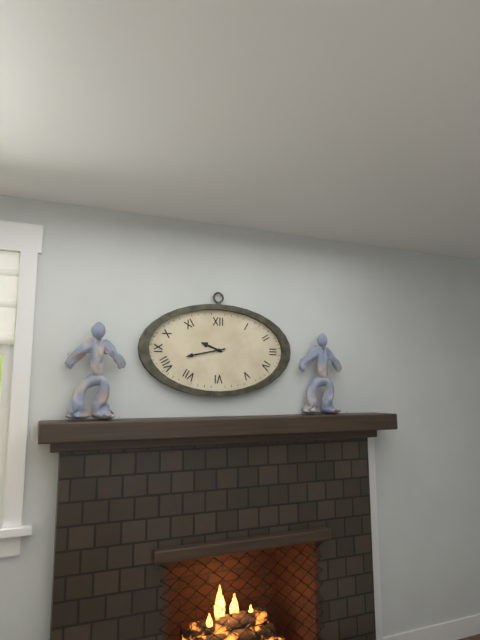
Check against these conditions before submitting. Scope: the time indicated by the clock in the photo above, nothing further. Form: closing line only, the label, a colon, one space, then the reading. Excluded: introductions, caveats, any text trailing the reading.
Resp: 9:43
